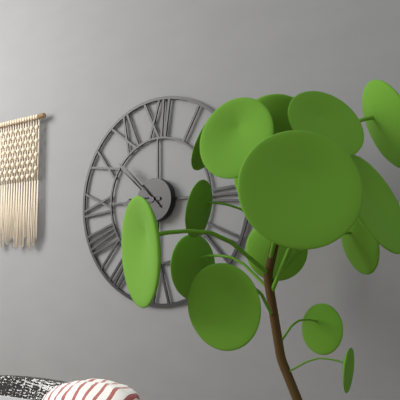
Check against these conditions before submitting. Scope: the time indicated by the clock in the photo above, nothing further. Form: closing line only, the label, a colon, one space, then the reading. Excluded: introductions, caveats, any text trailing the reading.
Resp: 8:52
